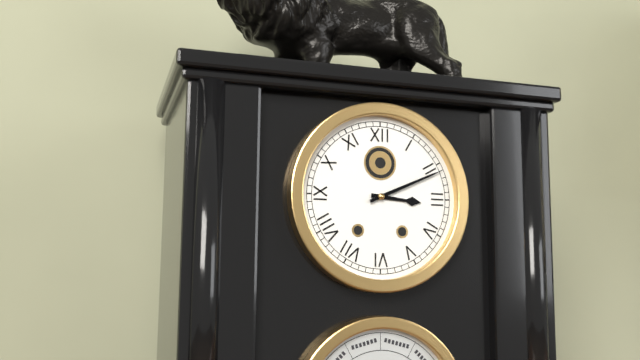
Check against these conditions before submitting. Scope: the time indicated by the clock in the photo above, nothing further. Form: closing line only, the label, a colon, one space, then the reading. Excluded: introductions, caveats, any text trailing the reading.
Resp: 3:11
